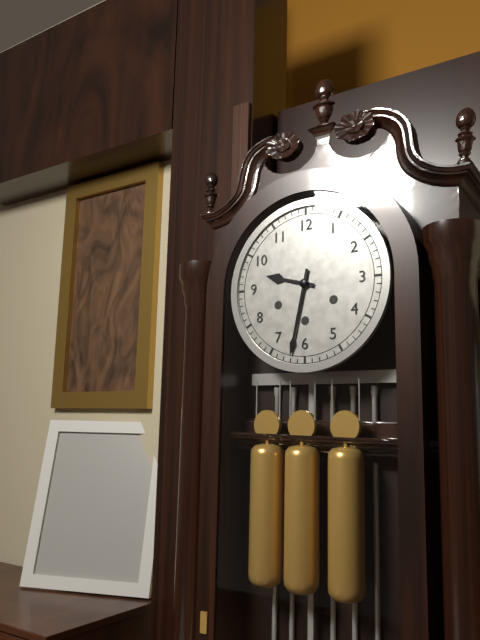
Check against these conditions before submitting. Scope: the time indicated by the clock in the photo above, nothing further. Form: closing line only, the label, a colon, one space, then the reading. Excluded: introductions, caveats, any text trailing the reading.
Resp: 9:32
